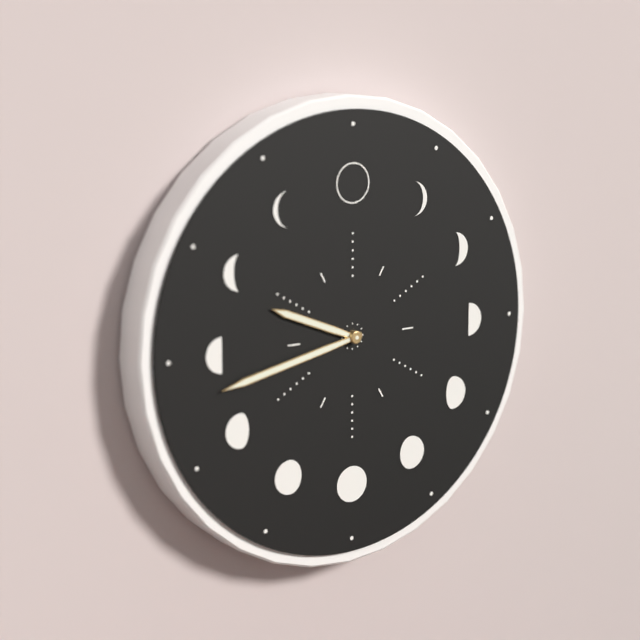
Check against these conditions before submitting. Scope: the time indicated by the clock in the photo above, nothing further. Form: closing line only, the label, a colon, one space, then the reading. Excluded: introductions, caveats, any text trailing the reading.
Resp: 9:43
